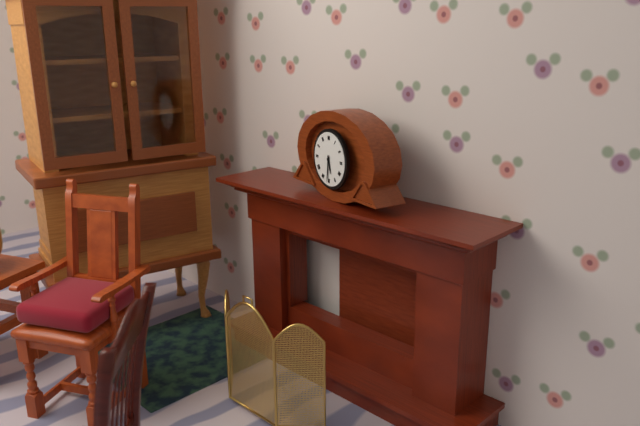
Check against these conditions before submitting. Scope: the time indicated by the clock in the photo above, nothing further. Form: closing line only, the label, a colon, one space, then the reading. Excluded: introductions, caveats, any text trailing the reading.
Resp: 5:31
